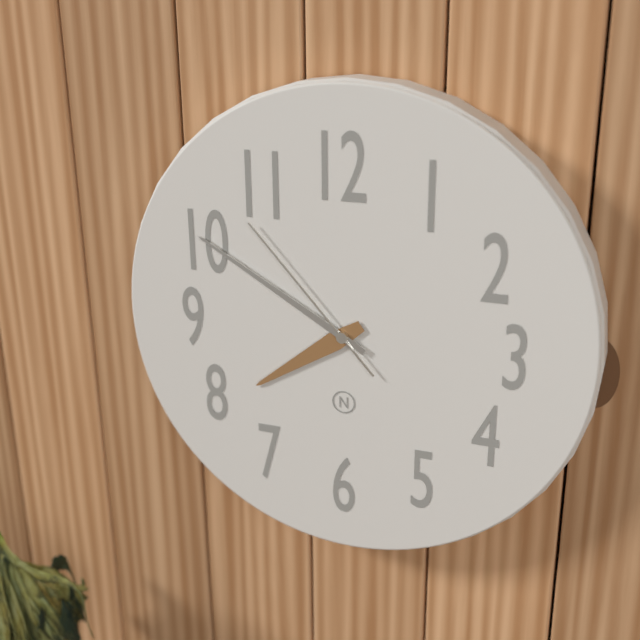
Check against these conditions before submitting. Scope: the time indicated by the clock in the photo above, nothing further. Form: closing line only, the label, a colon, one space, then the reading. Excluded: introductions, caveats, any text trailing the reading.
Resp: 7:50:53
